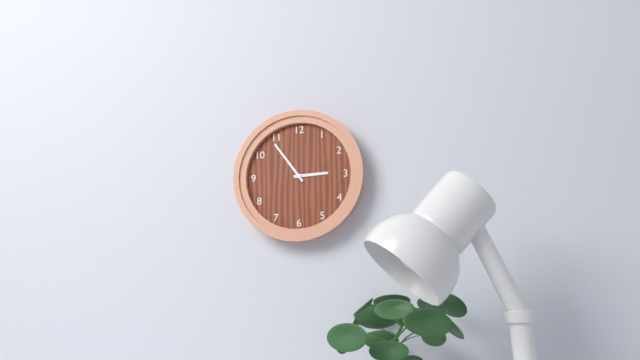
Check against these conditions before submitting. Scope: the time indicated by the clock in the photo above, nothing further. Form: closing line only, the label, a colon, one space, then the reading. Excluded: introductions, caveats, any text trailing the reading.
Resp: 2:54
